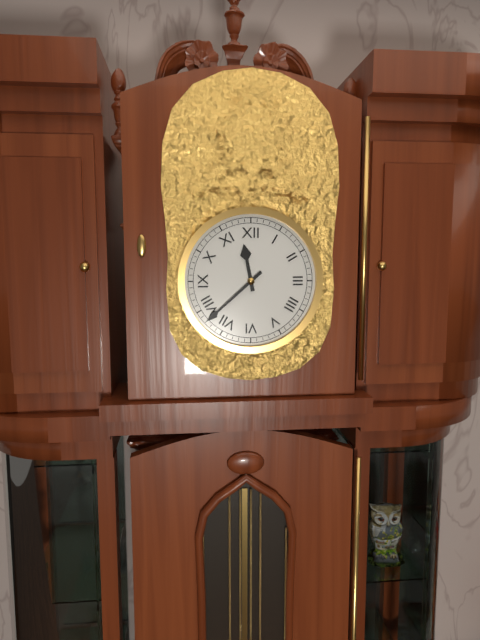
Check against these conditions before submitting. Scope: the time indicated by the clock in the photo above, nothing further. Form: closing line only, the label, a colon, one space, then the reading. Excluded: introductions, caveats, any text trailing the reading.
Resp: 11:38
